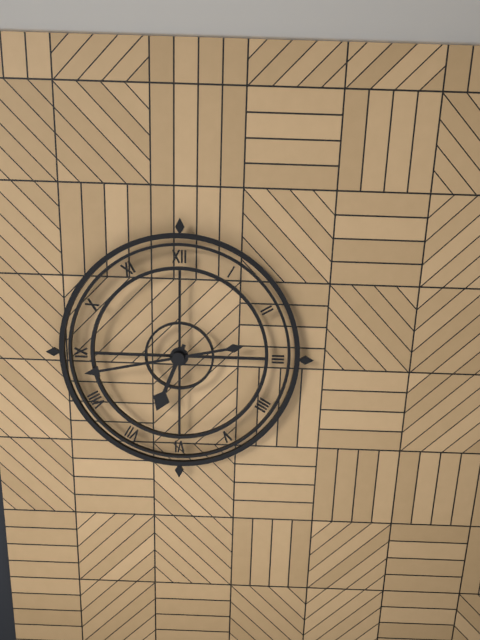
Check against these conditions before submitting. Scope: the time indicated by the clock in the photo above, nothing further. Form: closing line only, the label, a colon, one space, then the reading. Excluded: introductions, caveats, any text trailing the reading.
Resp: 6:43
